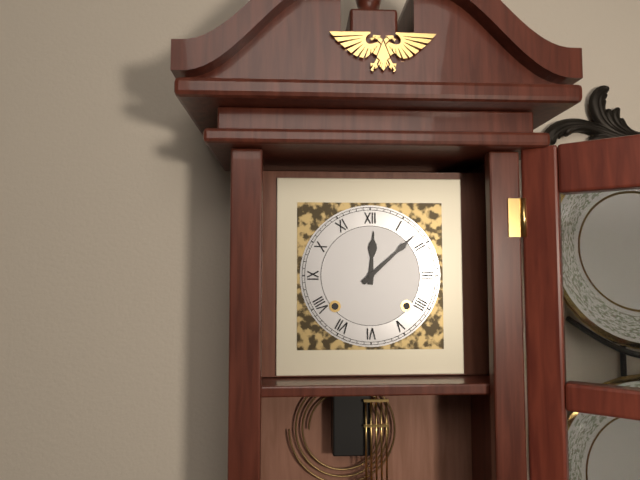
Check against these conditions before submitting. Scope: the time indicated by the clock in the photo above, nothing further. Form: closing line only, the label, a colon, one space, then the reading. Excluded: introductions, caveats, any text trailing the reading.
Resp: 12:08
